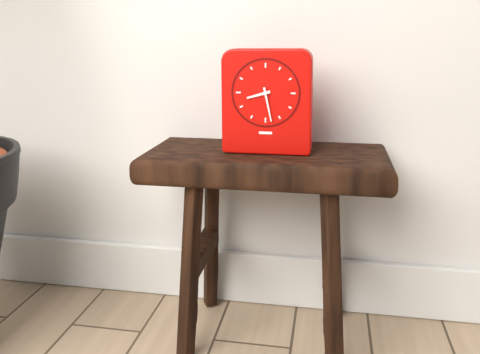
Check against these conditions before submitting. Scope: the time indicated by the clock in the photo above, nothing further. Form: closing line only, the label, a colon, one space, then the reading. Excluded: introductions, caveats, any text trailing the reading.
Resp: 8:28
